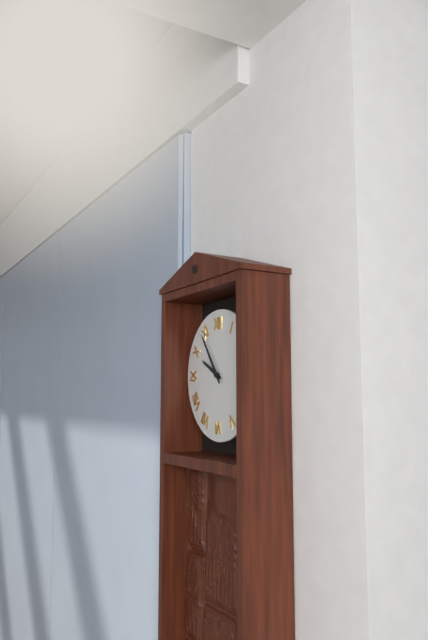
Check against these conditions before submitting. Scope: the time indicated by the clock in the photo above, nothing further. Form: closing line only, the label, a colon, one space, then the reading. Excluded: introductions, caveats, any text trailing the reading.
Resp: 9:54
